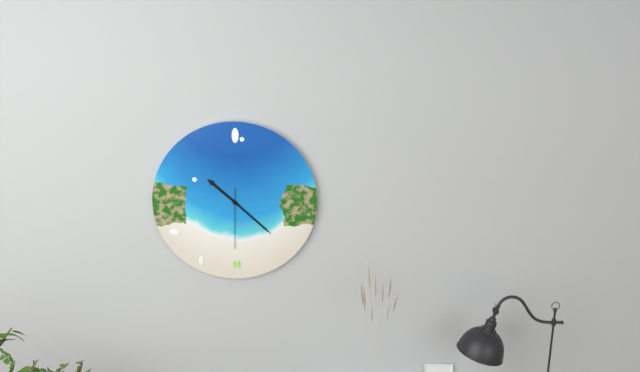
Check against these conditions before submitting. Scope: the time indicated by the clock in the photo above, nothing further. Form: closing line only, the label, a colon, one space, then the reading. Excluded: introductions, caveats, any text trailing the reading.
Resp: 10:22:30
